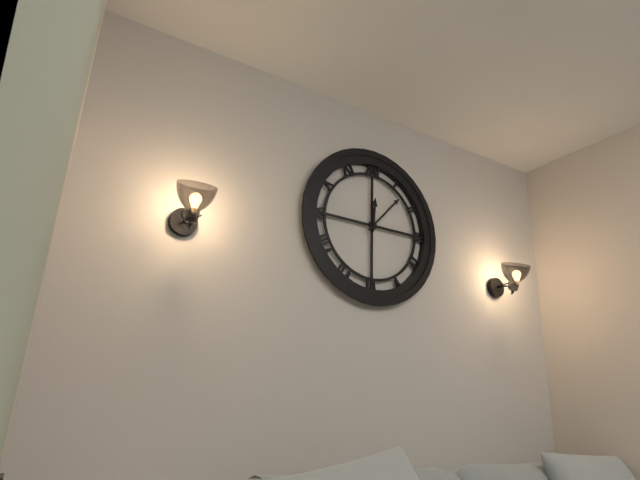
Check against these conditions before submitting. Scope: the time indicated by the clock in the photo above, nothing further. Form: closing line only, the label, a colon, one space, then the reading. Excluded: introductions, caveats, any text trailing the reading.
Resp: 12:07
